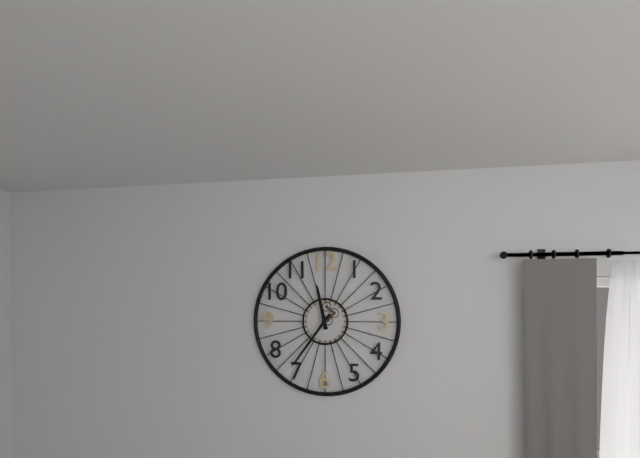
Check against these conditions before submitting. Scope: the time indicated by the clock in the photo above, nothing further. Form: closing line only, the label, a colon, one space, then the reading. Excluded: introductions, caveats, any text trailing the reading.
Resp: 11:36
